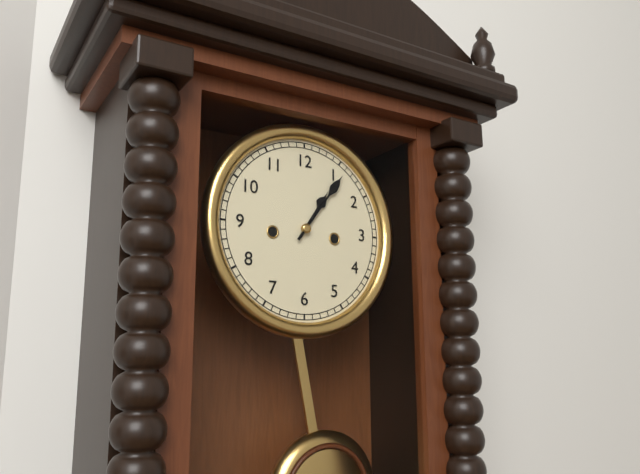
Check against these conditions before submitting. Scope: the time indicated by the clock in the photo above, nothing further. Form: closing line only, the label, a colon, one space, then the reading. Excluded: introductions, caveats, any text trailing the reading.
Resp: 1:06
